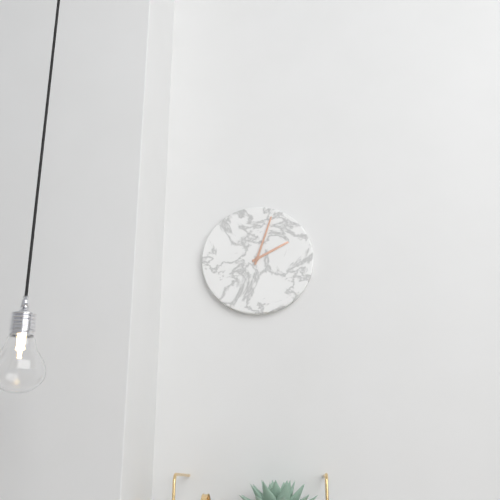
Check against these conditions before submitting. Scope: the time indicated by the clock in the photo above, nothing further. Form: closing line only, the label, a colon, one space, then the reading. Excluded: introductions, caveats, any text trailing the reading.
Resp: 2:03
